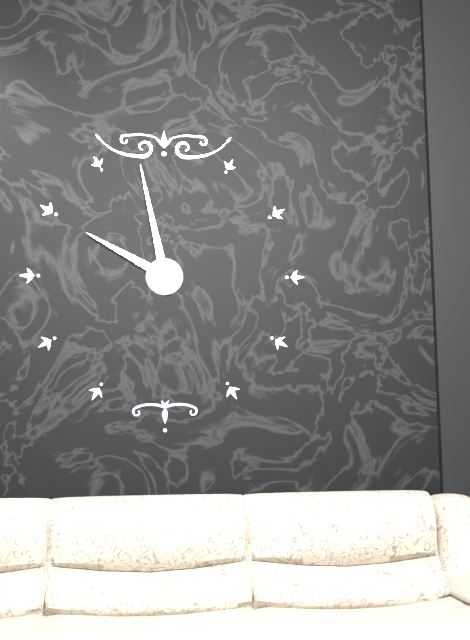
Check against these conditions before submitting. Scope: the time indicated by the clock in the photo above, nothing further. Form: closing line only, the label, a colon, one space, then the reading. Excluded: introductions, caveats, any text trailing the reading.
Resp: 9:58
